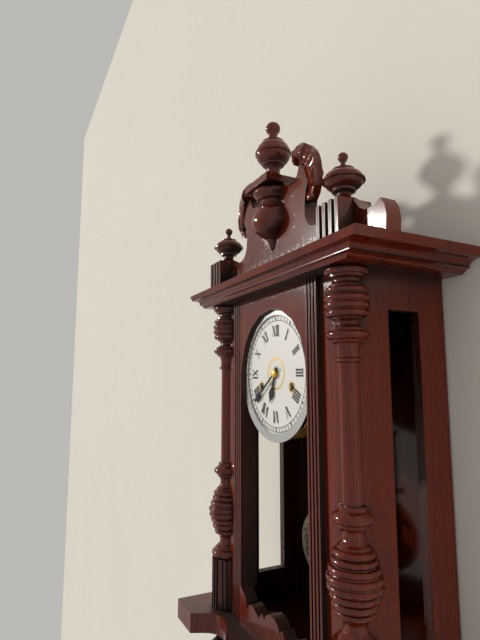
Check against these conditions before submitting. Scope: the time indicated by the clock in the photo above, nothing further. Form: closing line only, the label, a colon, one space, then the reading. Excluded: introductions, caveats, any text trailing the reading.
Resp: 6:39
